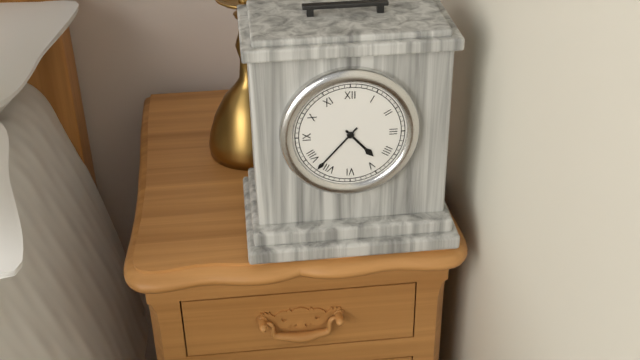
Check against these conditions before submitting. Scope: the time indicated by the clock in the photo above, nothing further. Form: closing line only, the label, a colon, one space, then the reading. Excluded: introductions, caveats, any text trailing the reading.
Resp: 4:37
